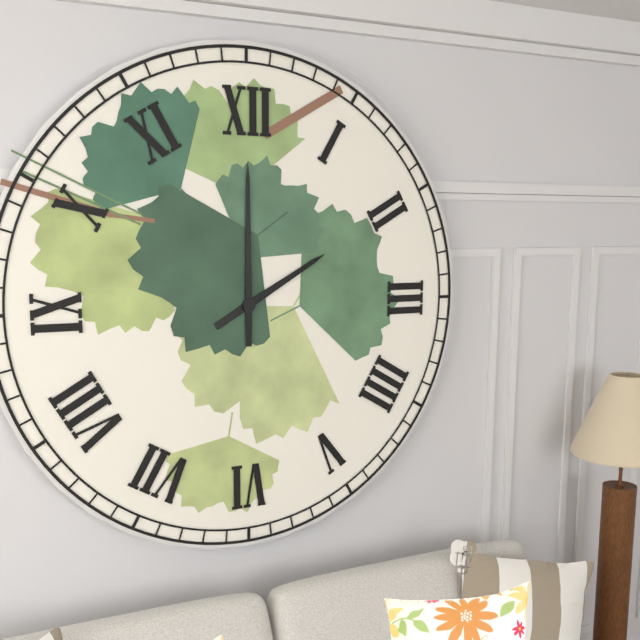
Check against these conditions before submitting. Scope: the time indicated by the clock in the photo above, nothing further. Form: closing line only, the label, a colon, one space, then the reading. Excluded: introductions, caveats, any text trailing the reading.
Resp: 2:00
